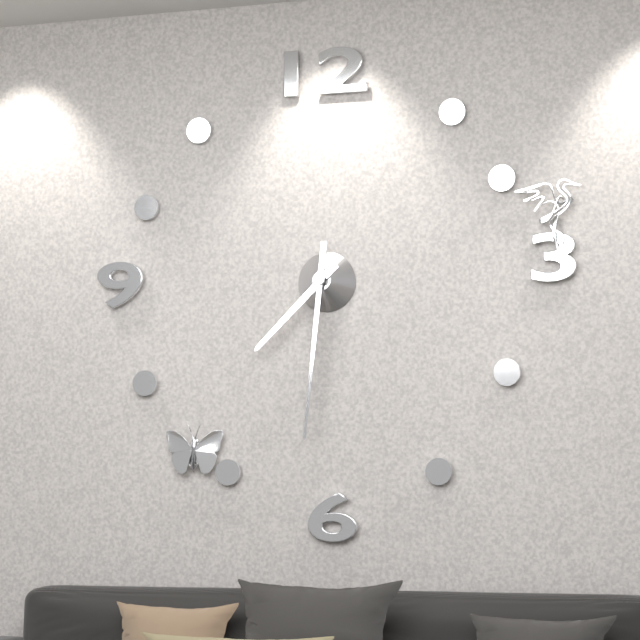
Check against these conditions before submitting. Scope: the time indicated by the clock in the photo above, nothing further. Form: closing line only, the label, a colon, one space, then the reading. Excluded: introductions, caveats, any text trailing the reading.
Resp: 7:31
